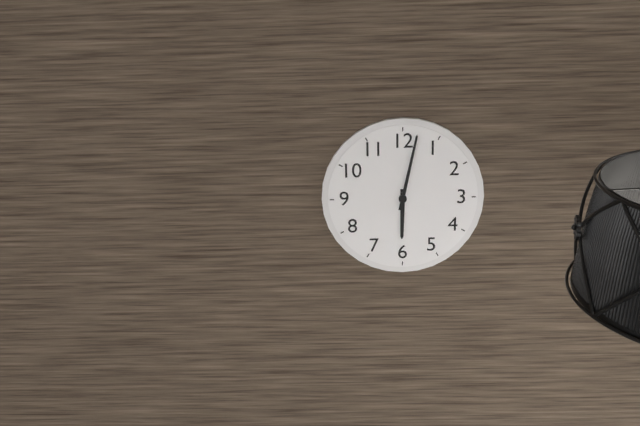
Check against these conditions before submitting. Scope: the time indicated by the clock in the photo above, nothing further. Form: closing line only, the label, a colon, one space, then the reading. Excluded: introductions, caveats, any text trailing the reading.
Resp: 6:02
